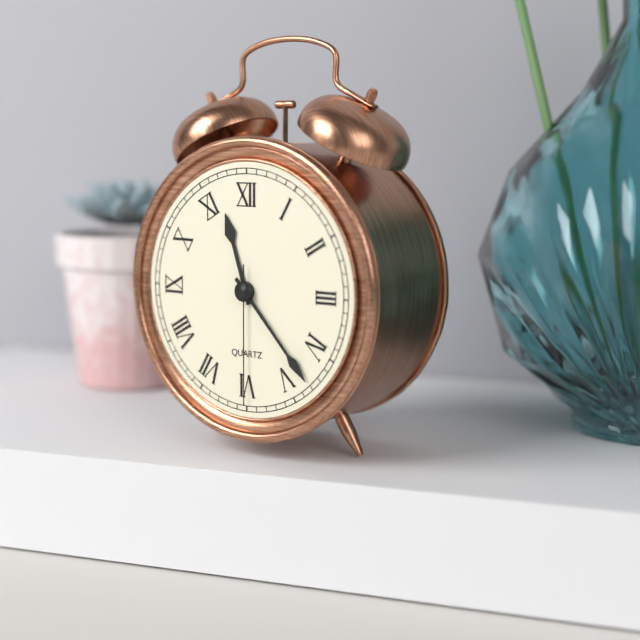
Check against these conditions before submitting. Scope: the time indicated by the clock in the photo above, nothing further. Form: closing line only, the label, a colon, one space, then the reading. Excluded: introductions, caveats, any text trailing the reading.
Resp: 11:23:30
